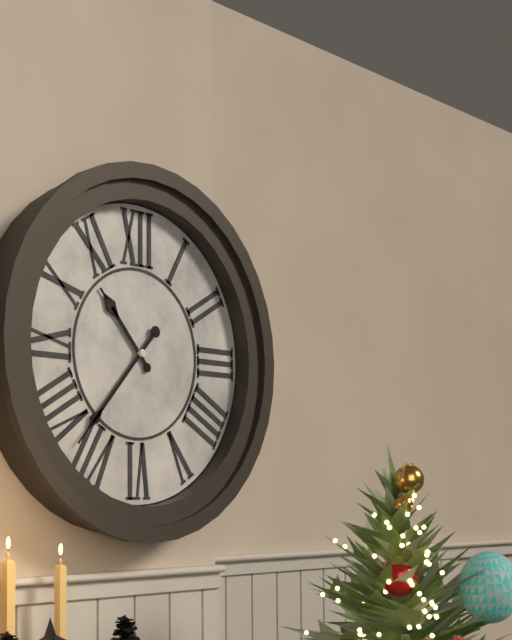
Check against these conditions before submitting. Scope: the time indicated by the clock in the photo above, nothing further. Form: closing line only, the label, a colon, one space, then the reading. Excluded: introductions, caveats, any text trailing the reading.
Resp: 10:37
